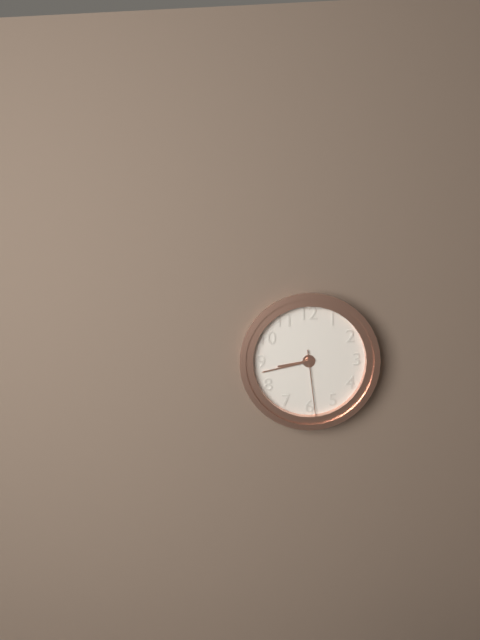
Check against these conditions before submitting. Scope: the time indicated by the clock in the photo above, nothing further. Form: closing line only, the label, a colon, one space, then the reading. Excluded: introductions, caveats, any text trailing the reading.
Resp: 8:43:29
